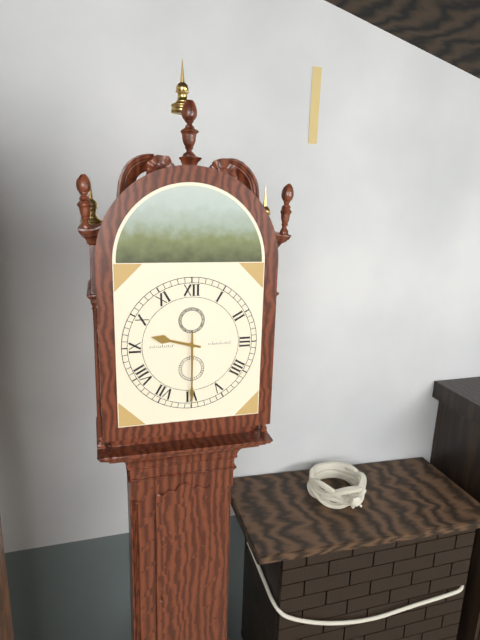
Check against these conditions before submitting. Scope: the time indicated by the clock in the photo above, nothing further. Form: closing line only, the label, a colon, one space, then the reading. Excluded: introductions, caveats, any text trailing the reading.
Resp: 9:30
